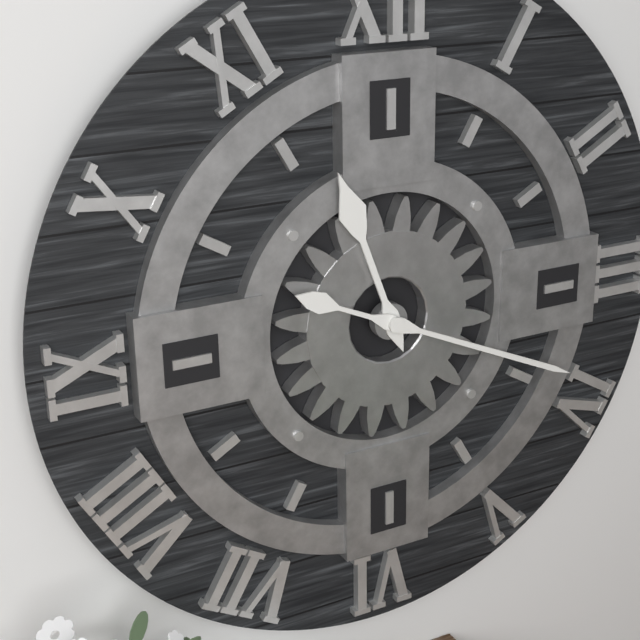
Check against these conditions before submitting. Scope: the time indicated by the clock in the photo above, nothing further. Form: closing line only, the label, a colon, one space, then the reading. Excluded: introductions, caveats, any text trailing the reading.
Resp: 11:19
